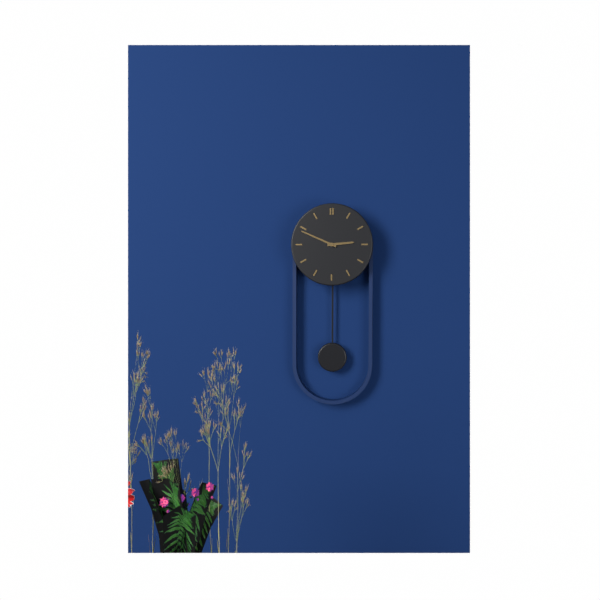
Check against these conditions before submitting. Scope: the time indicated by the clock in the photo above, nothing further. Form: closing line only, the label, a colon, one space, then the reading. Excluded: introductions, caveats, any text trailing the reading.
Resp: 2:49
